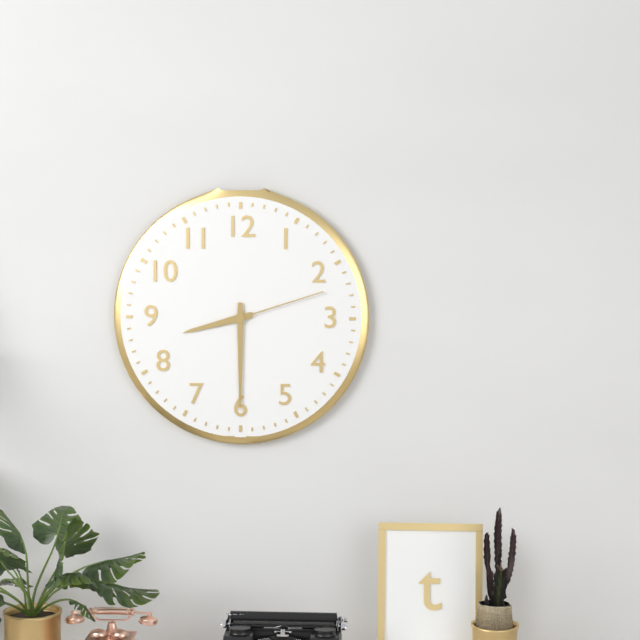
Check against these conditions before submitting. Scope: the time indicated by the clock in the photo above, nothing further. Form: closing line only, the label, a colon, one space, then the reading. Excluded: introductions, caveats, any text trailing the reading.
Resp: 8:30:12
